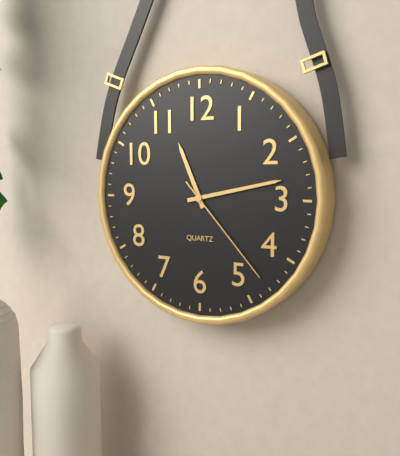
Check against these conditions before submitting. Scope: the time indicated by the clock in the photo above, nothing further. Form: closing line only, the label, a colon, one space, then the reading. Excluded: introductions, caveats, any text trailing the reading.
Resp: 11:13:23
